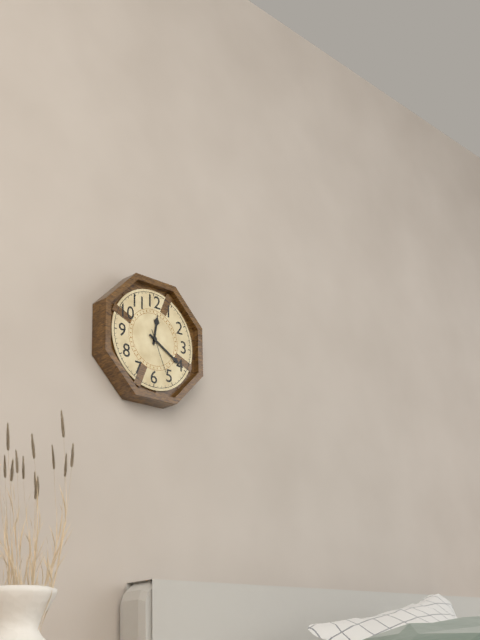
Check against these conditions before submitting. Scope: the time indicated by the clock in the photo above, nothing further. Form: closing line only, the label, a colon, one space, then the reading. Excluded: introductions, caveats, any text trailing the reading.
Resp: 12:20
